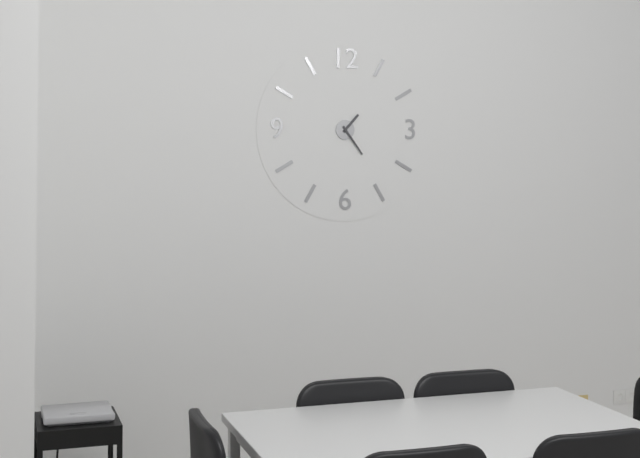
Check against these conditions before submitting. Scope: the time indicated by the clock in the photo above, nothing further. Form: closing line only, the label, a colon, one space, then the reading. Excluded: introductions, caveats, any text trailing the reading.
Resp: 1:24
